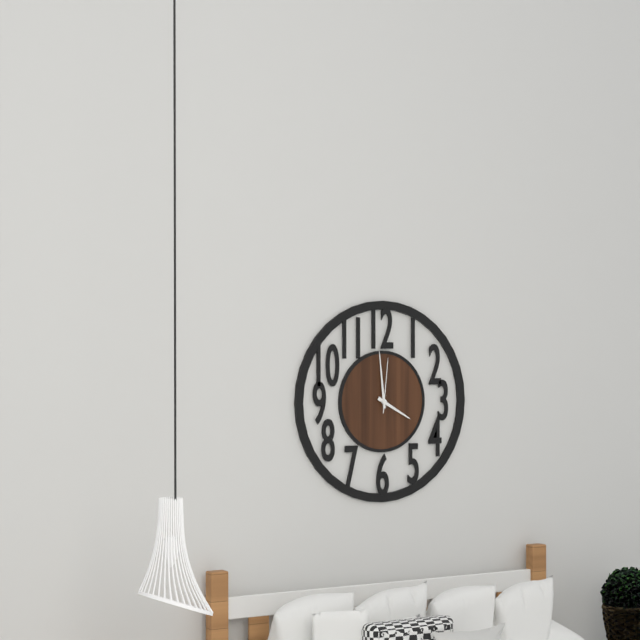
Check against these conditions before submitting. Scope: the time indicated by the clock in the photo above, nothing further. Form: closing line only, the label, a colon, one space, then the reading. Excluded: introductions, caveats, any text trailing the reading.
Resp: 3:59:01
